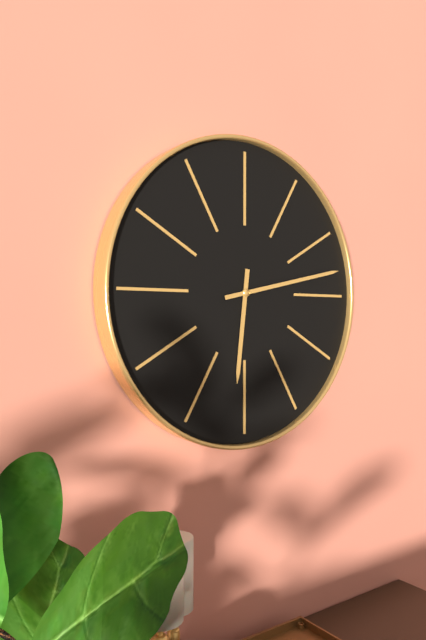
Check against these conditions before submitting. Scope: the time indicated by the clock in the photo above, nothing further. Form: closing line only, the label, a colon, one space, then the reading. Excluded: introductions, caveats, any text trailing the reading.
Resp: 6:13
